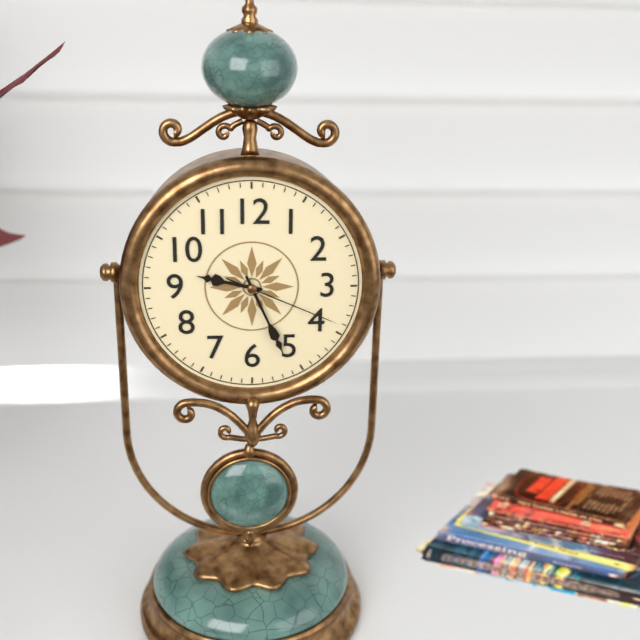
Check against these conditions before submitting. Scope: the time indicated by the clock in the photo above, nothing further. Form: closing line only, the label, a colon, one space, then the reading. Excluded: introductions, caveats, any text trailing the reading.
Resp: 9:26:19
